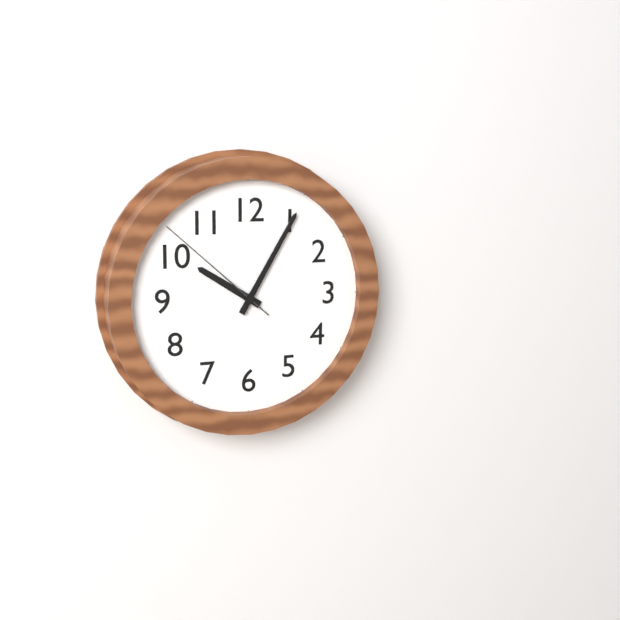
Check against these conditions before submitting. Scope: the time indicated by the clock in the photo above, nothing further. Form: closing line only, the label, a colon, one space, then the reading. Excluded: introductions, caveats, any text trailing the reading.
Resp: 10:05:52
